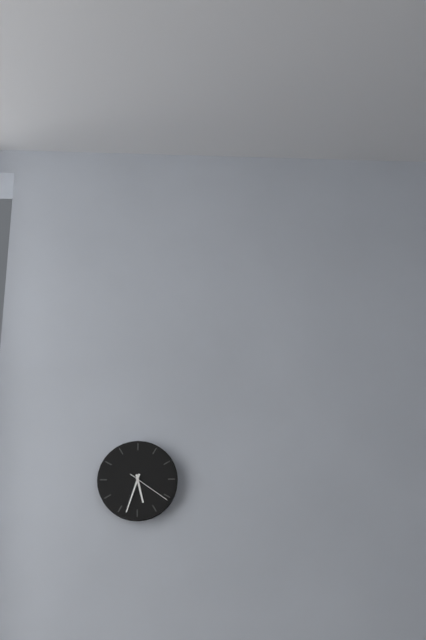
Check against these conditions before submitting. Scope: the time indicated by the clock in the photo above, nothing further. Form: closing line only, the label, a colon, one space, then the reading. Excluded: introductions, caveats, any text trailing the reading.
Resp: 5:33
